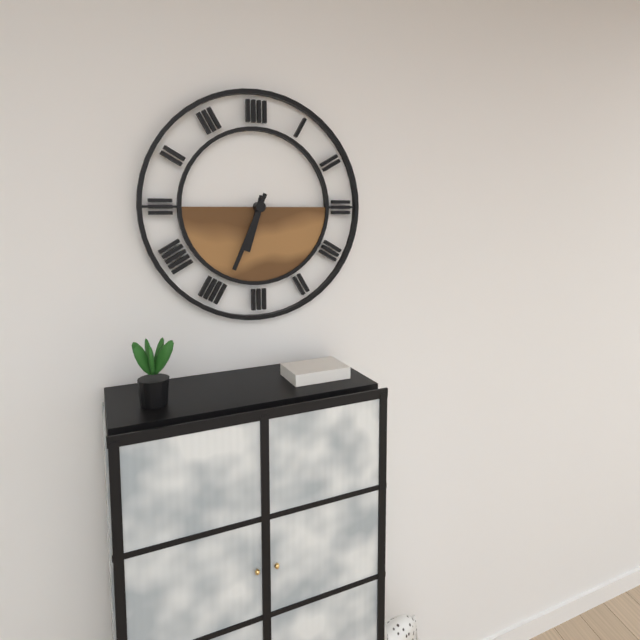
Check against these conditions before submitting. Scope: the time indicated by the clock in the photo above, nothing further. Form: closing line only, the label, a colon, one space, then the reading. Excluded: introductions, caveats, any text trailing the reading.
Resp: 6:34
